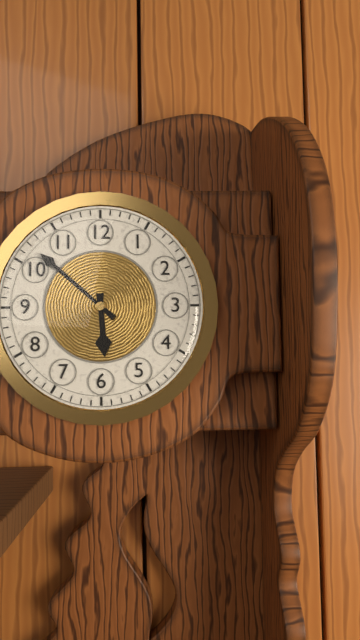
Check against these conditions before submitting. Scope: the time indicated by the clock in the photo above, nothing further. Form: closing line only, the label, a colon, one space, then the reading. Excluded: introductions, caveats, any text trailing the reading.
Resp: 5:52
